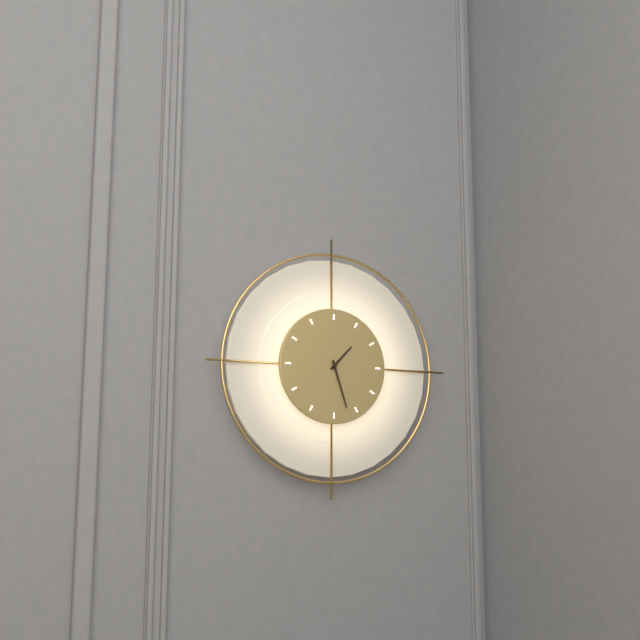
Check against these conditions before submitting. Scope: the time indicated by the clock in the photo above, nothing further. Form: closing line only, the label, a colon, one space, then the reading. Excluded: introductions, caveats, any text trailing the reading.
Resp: 1:27
